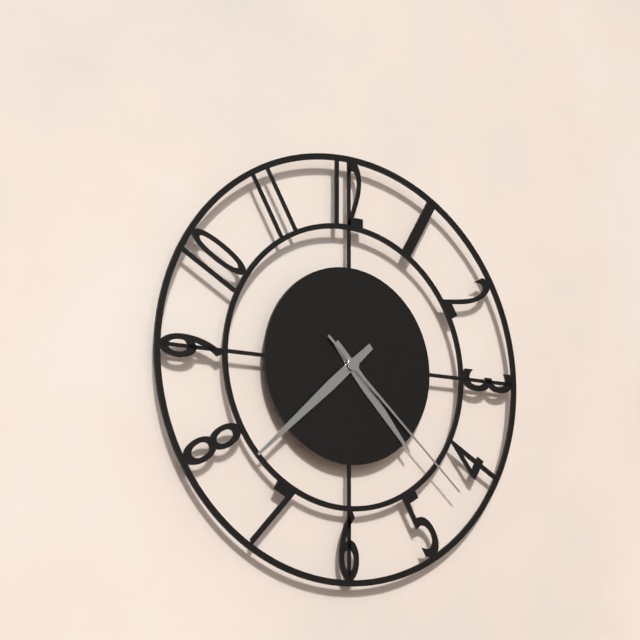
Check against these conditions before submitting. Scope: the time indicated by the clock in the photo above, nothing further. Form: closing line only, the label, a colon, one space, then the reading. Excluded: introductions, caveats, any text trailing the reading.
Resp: 4:38:22
